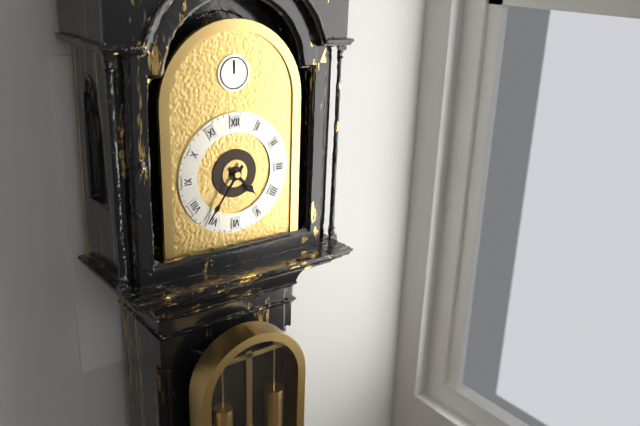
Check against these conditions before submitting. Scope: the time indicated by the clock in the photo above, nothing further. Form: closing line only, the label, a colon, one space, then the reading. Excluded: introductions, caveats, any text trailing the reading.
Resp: 4:36
